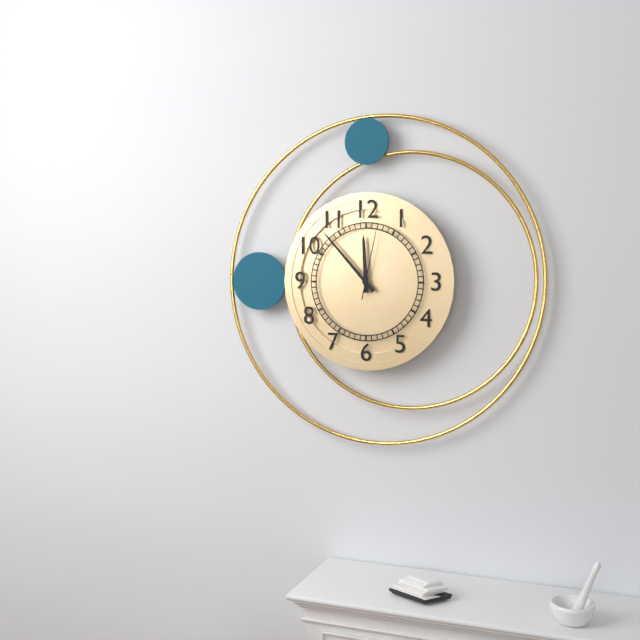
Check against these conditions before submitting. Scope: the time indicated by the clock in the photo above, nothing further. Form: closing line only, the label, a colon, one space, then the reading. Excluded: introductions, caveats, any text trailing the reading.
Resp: 11:53:02
